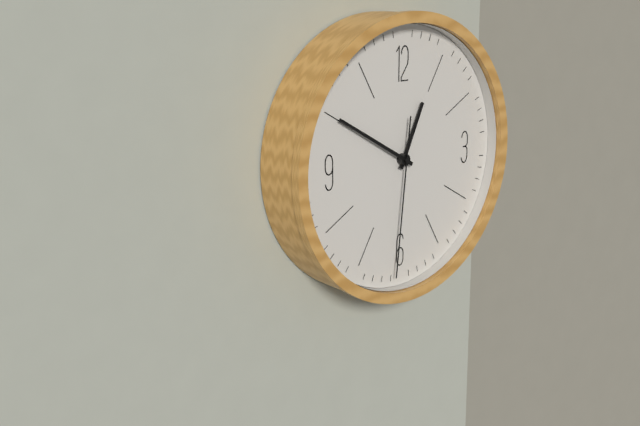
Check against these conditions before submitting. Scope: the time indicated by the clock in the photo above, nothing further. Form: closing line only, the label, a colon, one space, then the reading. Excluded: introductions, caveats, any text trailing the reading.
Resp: 12:50:31
